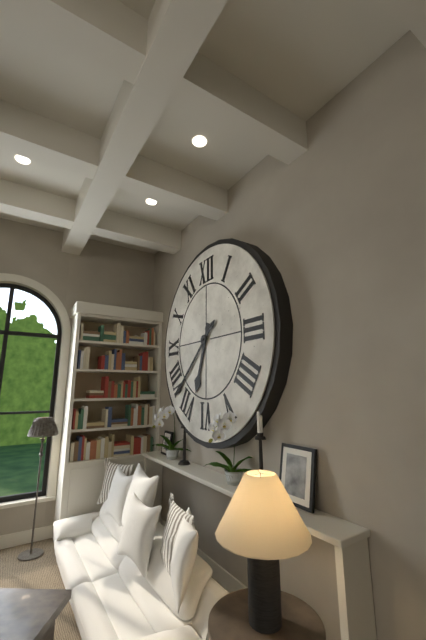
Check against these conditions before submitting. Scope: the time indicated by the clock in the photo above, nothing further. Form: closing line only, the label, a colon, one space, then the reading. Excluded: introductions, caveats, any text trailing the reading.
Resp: 6:38
